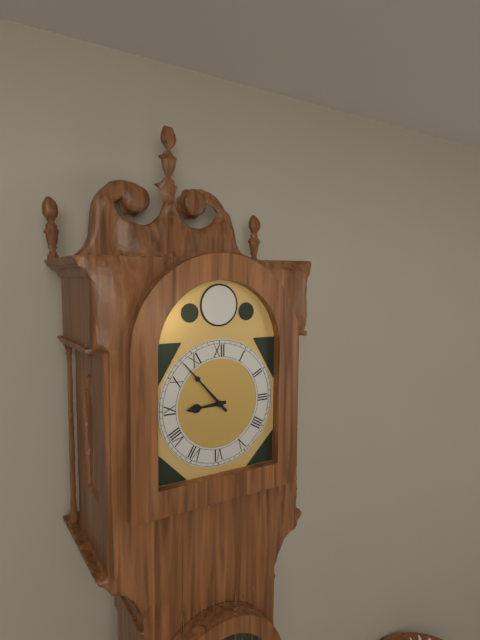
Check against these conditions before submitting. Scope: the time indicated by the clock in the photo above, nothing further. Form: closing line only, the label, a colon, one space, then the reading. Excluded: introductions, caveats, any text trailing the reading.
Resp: 8:53
